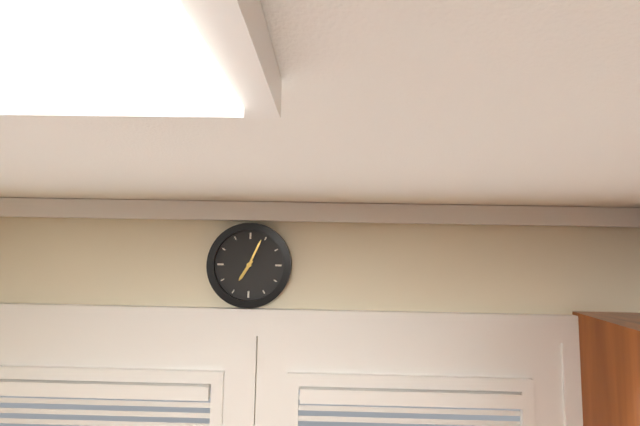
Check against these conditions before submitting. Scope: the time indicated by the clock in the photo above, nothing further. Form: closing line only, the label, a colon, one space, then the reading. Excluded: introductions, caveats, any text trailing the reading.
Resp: 7:04
